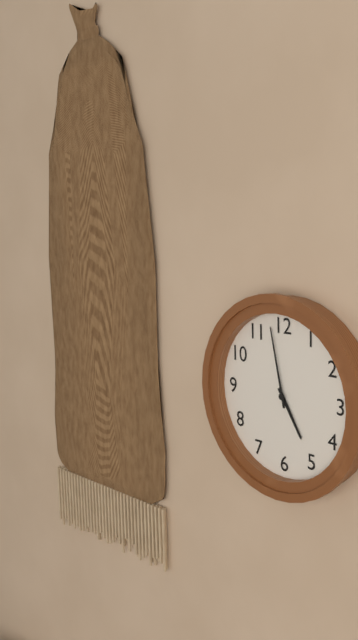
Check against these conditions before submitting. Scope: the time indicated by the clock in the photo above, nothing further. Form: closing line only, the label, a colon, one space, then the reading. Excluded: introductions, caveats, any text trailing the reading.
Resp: 4:58
